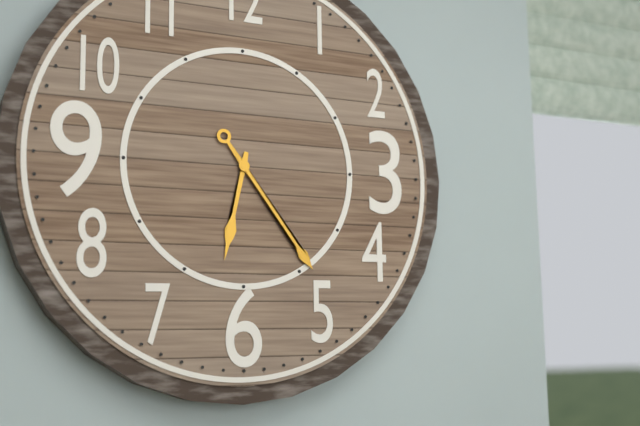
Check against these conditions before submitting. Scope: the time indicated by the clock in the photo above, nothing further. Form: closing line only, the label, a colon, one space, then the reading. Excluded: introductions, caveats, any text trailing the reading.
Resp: 6:24
